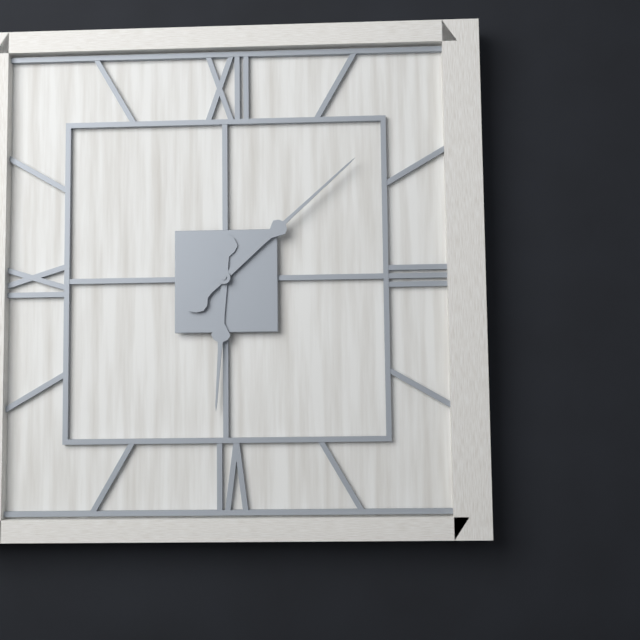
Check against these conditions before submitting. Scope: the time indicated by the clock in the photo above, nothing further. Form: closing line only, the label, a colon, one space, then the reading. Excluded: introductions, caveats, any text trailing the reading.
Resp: 6:08
